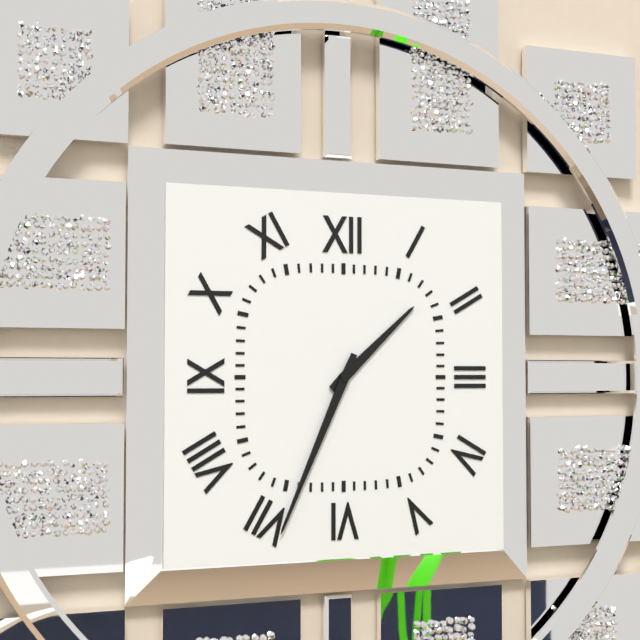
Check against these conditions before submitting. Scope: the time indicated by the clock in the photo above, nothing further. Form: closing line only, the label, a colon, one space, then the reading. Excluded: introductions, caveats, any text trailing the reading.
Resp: 1:34
